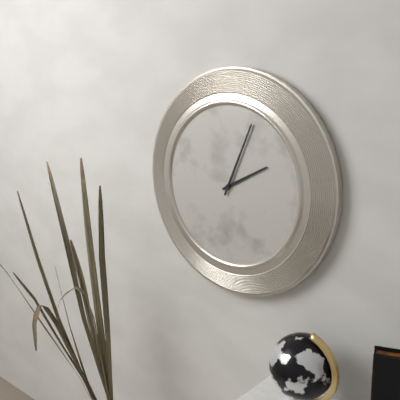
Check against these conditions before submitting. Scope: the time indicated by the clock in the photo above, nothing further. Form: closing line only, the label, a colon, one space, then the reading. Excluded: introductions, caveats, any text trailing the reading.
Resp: 2:04
